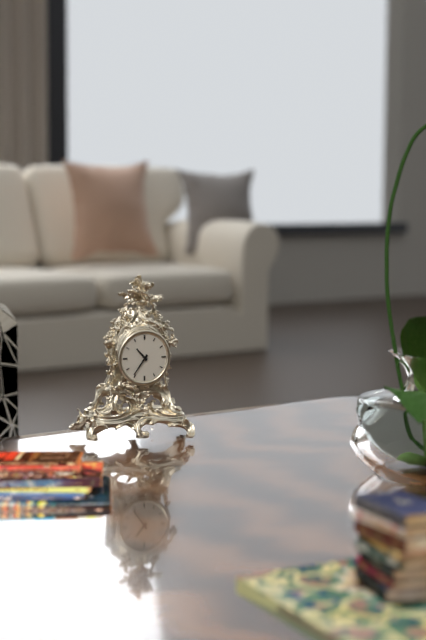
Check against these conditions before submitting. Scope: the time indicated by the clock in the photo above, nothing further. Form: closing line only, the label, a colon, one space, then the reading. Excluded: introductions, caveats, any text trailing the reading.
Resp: 10:36
